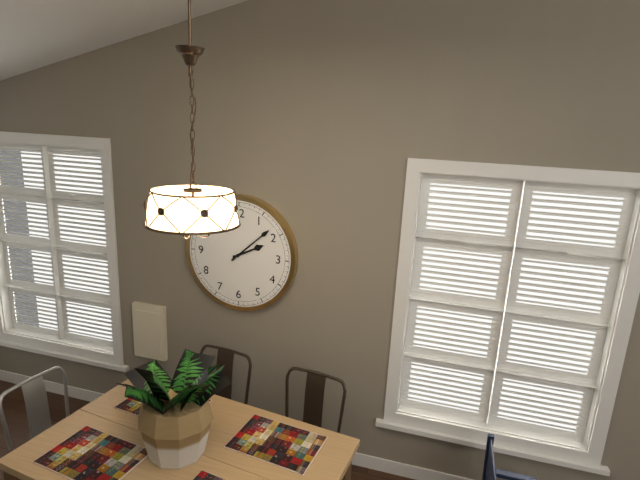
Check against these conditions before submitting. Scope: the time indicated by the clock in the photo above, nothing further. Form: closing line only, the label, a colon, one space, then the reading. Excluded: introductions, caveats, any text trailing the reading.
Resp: 2:08
